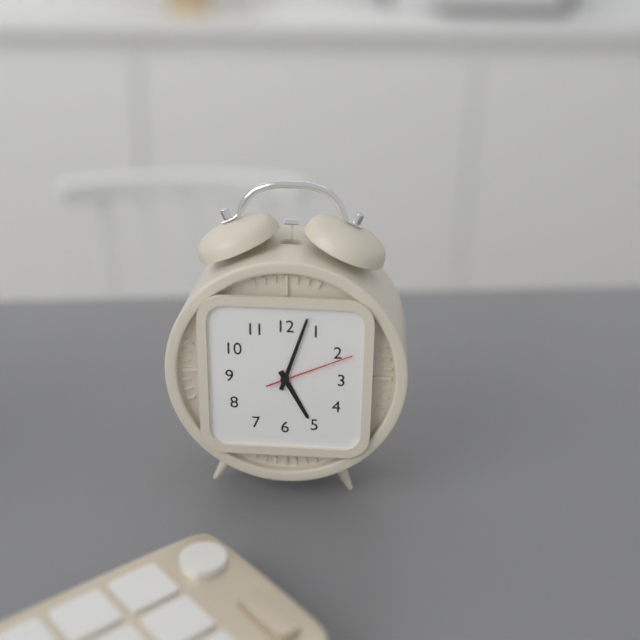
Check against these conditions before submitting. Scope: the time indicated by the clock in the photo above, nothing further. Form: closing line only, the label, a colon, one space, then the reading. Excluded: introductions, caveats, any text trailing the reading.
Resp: 5:03:11
